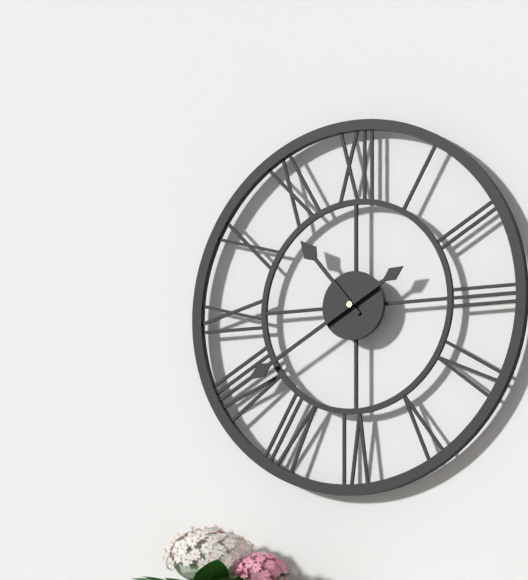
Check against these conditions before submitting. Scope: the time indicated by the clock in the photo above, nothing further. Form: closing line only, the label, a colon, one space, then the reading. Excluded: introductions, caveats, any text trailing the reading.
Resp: 10:40
